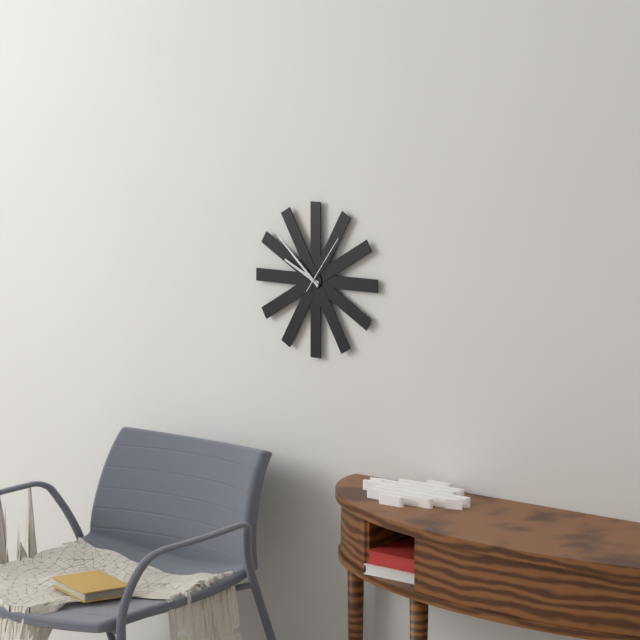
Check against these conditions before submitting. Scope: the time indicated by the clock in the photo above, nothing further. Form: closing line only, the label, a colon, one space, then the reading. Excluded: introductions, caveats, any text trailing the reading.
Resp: 9:52:06
